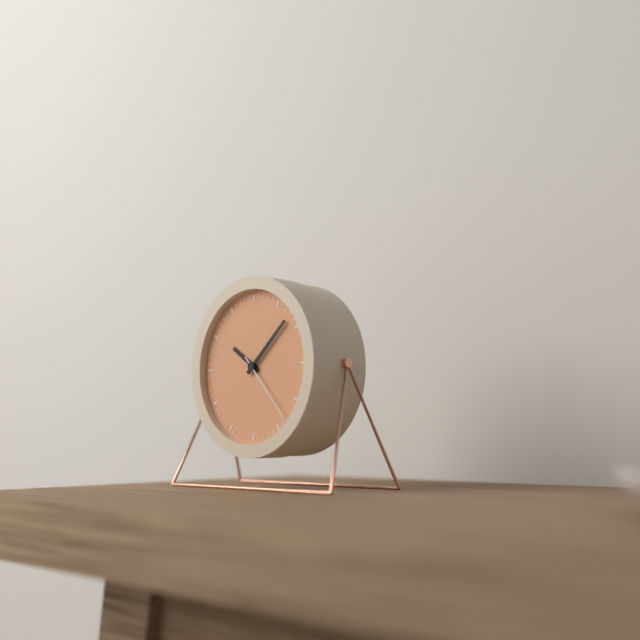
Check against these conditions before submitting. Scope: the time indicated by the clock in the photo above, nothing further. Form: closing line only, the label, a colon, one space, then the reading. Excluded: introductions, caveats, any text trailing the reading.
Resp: 10:08:23
